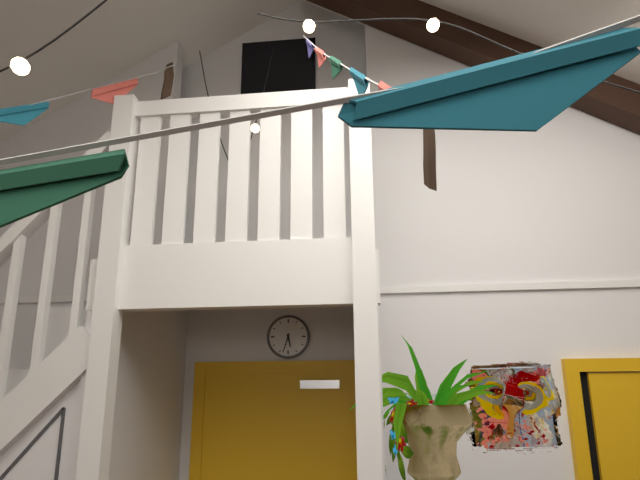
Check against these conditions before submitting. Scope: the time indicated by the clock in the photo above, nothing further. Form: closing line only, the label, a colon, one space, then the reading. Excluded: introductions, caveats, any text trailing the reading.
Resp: 5:33
